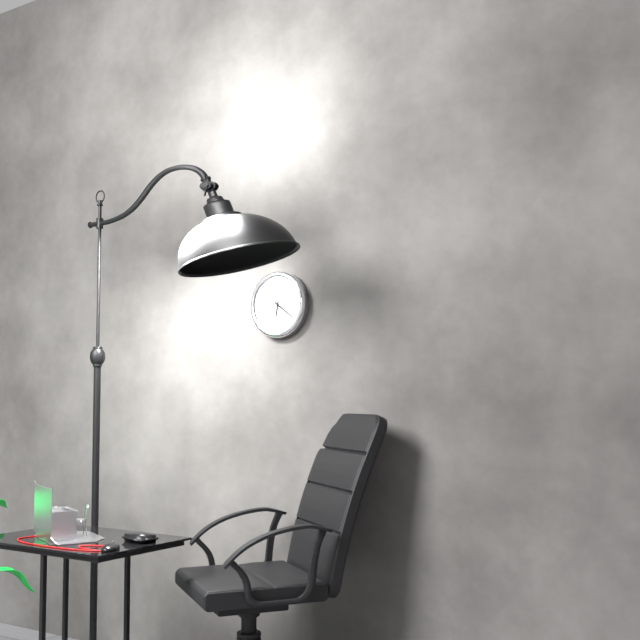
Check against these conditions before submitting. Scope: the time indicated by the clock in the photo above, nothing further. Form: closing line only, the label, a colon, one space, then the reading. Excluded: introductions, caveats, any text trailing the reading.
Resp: 6:21
